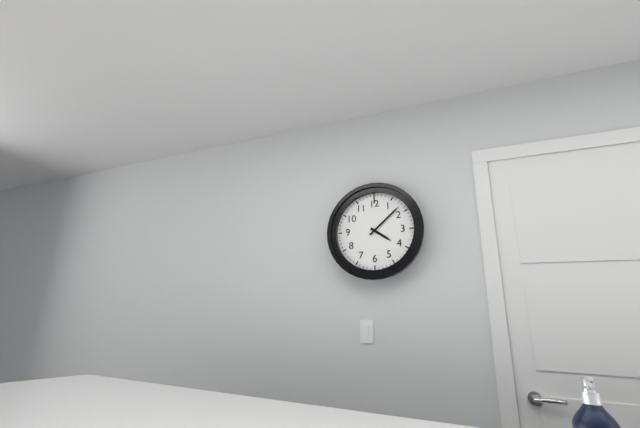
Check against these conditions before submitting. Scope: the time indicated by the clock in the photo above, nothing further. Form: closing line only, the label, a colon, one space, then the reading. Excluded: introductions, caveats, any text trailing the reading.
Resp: 4:08
